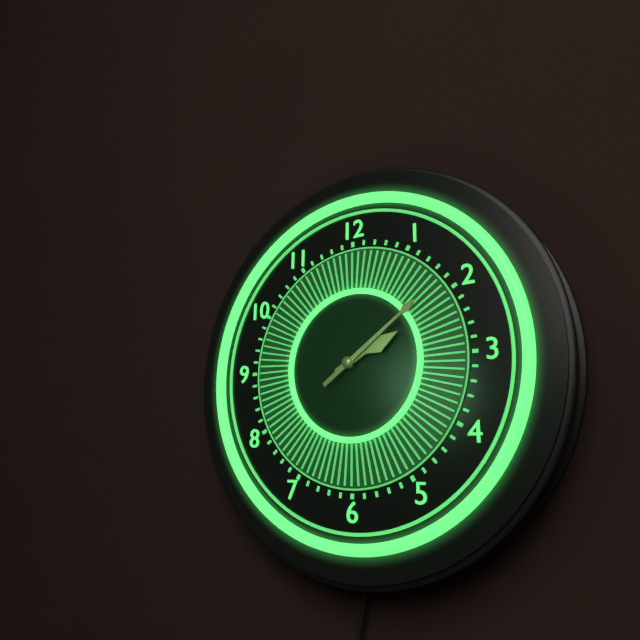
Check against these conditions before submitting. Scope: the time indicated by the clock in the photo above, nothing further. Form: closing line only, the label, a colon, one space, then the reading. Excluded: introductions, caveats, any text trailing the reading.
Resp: 2:09
